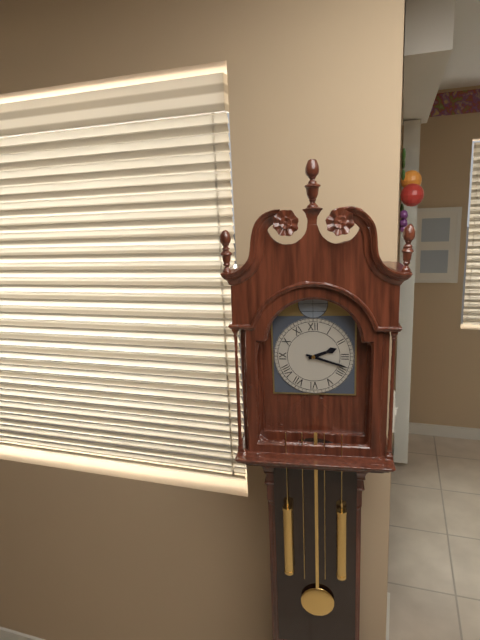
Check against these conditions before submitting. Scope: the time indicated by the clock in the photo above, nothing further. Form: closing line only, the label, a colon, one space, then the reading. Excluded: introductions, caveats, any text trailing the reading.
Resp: 2:18
